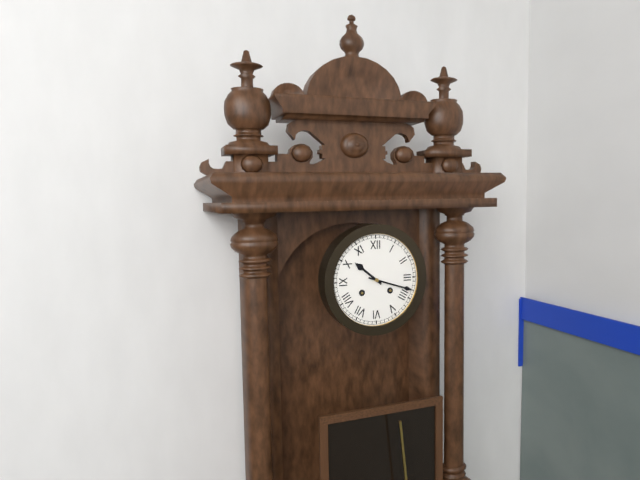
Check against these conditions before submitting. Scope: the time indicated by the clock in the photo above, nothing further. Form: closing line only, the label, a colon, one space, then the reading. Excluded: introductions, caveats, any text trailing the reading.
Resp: 10:18
